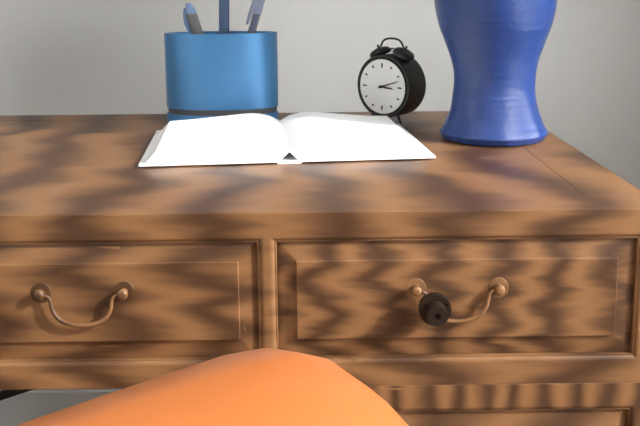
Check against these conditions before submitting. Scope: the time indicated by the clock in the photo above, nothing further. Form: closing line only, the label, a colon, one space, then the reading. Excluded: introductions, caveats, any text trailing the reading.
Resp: 3:12
